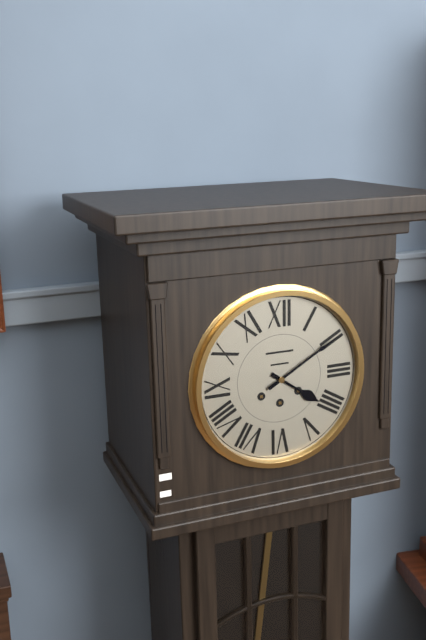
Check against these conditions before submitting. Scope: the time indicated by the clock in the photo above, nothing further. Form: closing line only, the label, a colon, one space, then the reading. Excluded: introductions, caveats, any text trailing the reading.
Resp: 4:10
